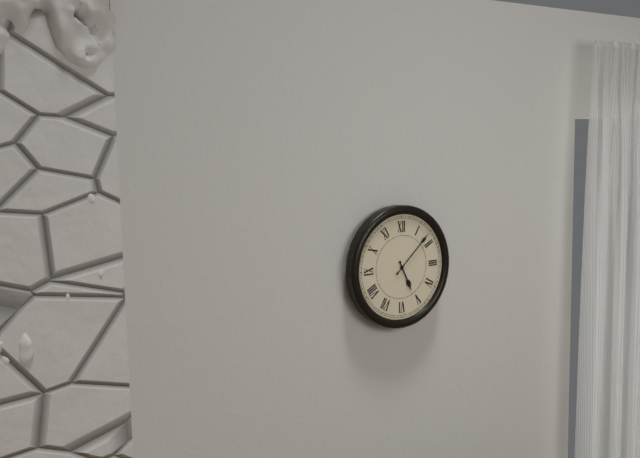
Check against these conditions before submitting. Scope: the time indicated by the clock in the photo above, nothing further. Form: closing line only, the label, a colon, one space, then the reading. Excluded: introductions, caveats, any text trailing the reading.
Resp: 5:08
